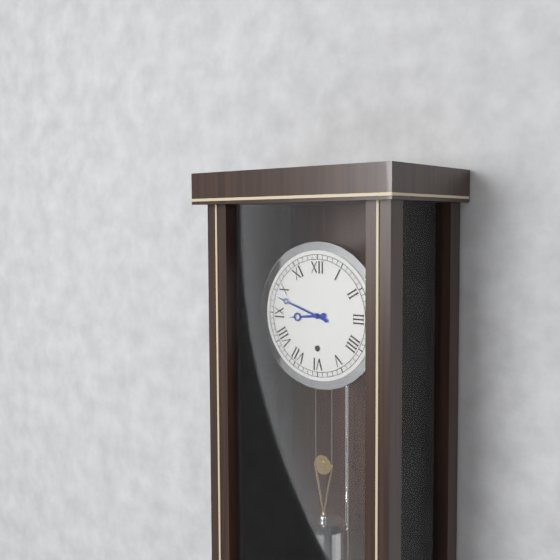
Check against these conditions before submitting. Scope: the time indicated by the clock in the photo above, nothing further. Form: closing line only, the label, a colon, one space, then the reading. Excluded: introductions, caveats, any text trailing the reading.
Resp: 8:48
